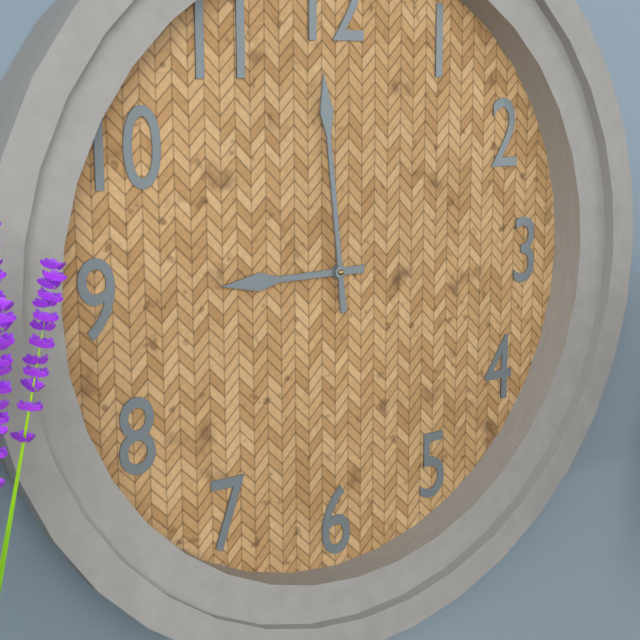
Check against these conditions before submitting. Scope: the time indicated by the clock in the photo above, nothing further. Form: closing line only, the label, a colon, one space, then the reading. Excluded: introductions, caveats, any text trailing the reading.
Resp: 8:59
